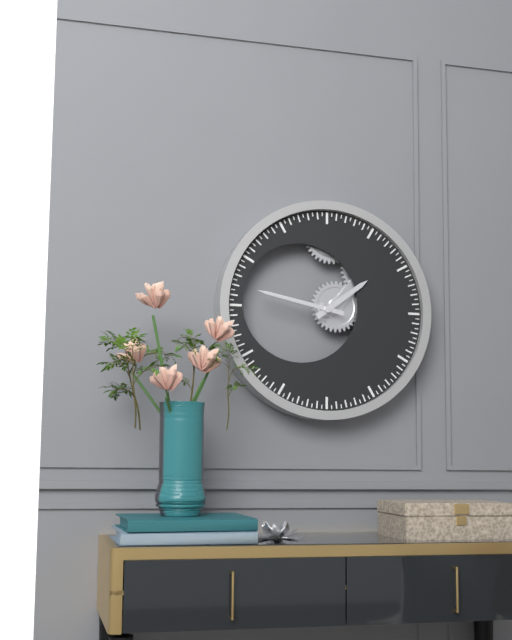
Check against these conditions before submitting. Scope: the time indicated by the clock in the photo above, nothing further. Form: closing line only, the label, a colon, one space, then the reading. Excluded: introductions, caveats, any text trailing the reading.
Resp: 1:47
